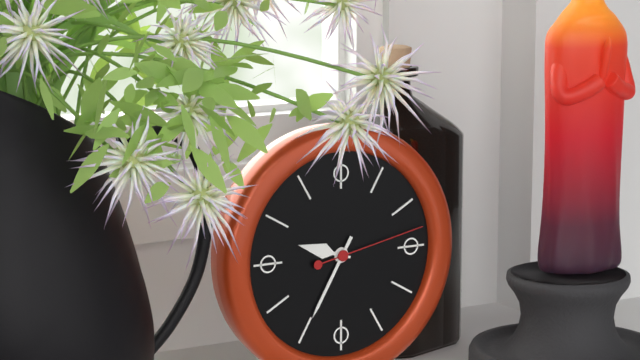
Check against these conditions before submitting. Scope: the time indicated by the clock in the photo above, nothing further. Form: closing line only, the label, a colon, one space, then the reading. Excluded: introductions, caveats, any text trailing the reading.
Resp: 9:35:13
